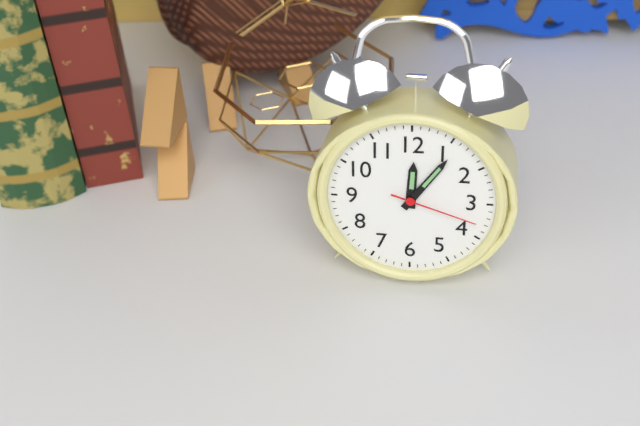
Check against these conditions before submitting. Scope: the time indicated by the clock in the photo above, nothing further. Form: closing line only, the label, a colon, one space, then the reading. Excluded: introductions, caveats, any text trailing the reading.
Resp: 12:06:18
